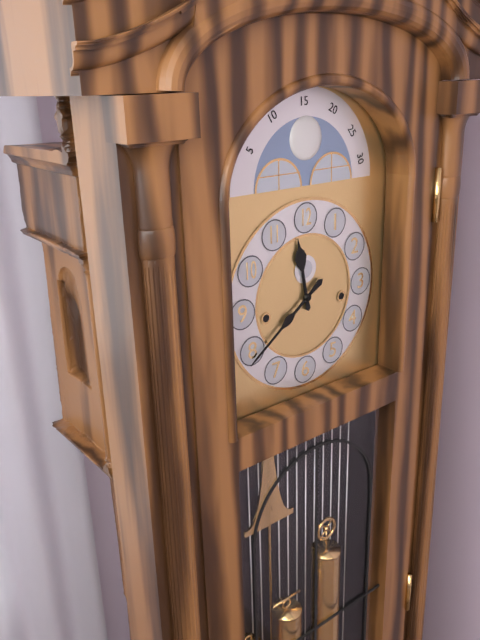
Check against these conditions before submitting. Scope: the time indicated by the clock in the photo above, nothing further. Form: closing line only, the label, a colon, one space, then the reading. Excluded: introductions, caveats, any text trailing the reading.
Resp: 11:39
